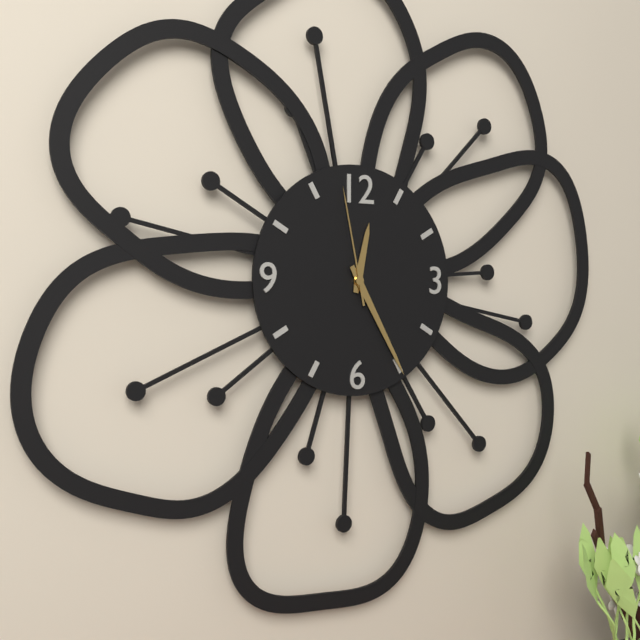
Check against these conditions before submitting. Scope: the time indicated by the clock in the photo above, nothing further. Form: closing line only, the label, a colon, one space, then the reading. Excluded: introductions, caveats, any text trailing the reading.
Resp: 12:25:58
